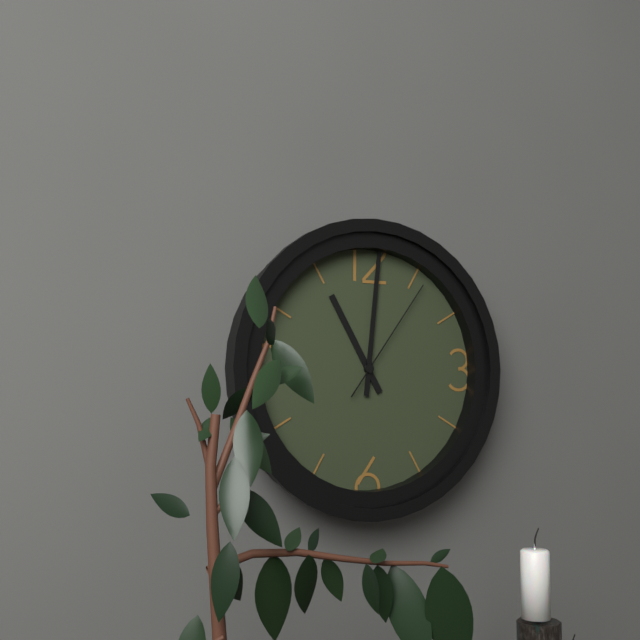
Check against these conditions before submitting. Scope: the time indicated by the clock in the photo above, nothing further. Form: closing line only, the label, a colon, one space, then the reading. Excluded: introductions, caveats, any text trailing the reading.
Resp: 11:01:06
